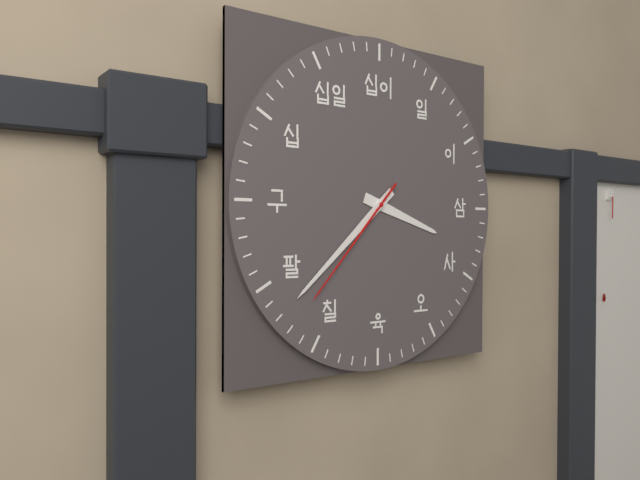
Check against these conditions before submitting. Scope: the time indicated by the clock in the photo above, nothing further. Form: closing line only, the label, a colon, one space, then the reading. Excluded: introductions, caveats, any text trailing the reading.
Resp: 3:38:37
